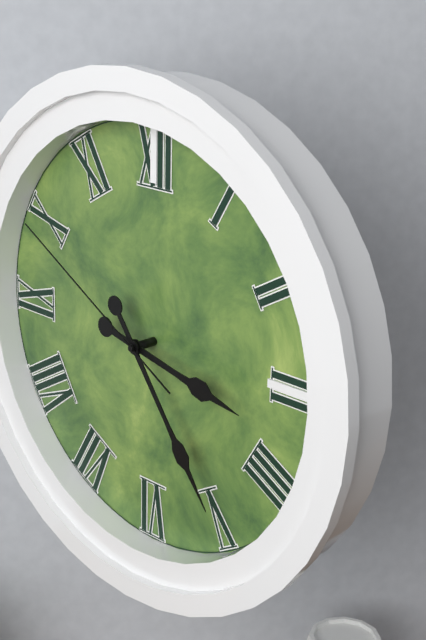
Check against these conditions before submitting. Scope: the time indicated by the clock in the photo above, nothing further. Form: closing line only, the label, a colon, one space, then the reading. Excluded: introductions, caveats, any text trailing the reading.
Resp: 3:24:50
